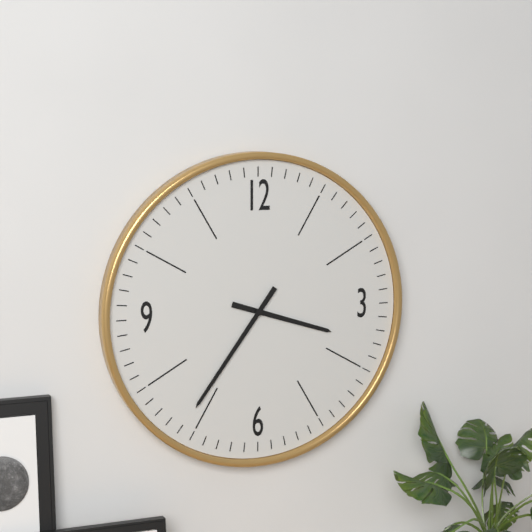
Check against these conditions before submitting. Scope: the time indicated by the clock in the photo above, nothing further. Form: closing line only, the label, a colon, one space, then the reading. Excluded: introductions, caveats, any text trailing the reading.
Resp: 3:36
